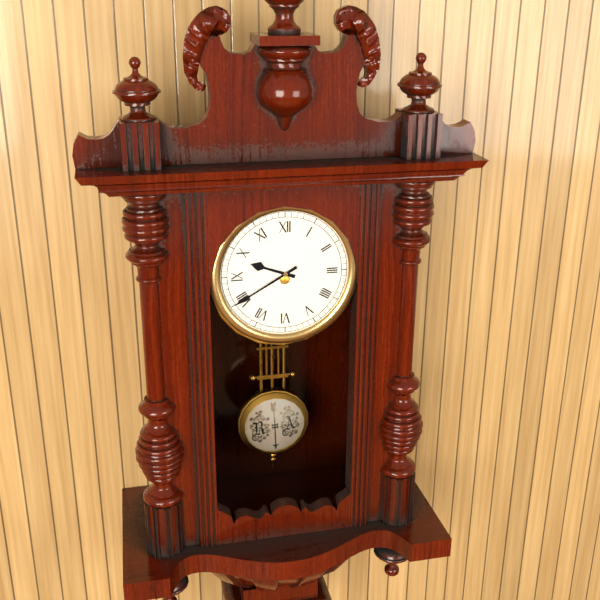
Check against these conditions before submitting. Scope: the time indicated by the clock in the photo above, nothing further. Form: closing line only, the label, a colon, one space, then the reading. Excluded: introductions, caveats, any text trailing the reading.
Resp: 9:40
